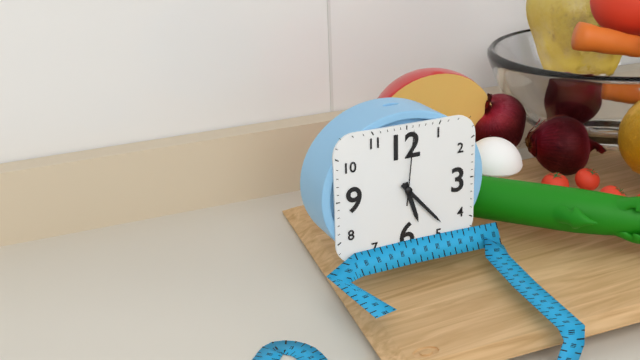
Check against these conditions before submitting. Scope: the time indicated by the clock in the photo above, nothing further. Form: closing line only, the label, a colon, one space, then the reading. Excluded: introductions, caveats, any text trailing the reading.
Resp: 5:23:01
